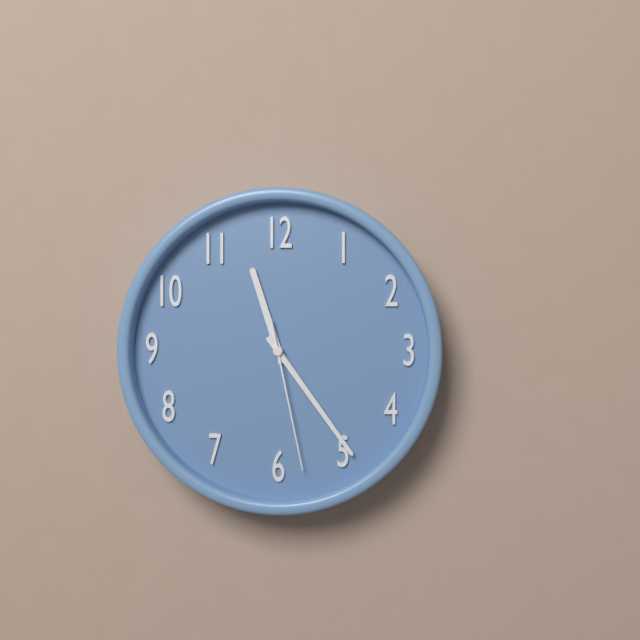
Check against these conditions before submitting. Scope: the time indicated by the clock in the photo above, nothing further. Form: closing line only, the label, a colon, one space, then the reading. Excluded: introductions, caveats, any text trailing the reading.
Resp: 11:24:28
